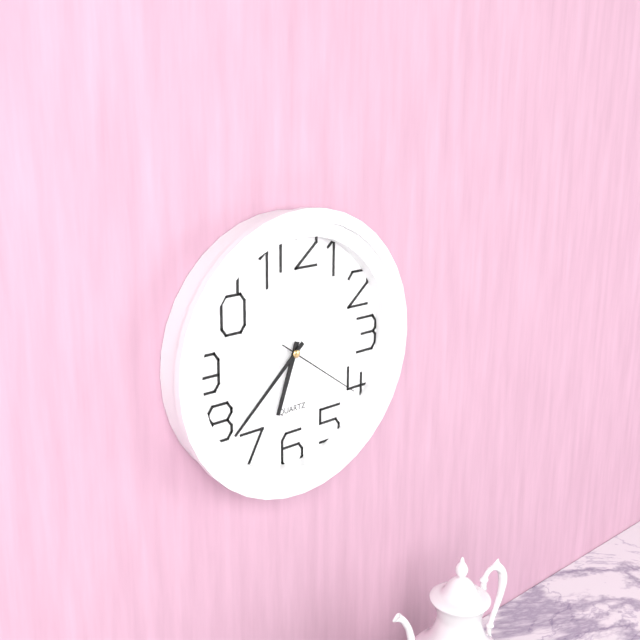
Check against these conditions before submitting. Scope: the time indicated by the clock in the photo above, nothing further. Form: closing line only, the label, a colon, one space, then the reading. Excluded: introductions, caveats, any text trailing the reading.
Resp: 6:38:21
